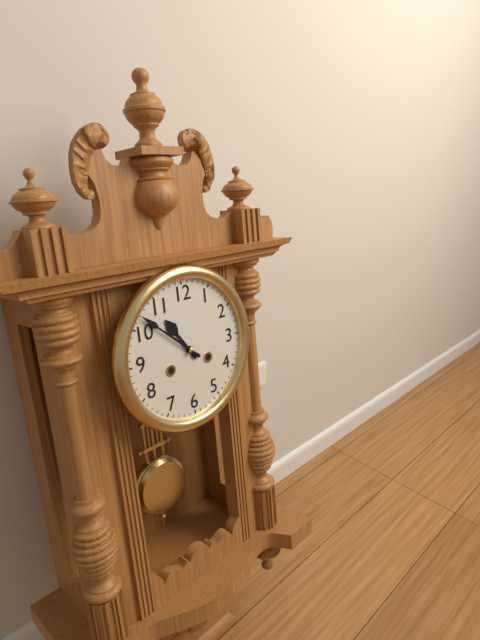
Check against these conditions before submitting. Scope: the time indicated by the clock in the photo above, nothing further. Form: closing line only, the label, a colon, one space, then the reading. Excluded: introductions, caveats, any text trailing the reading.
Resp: 10:52
